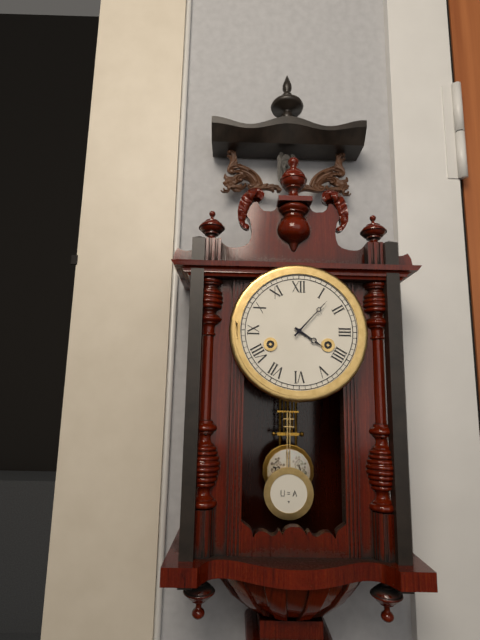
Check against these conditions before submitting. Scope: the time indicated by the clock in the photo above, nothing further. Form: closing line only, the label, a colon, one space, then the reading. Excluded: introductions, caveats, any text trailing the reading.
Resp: 4:07
